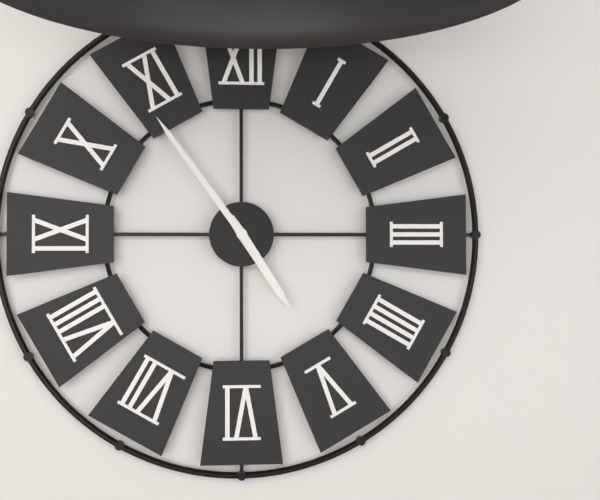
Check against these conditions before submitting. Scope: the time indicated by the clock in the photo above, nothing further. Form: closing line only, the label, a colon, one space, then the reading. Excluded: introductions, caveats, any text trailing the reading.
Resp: 4:54
